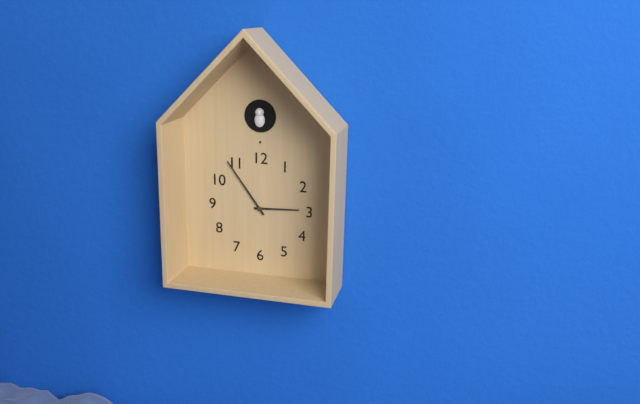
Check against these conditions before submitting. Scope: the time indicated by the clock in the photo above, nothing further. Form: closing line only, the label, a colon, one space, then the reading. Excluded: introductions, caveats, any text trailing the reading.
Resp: 2:54
